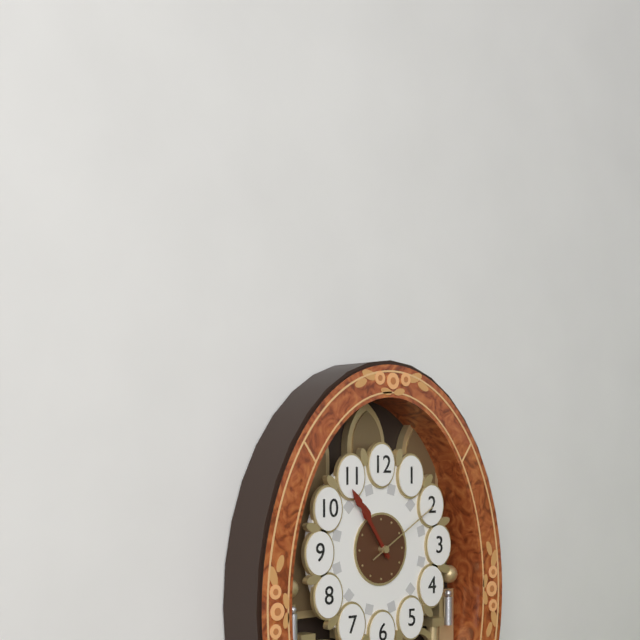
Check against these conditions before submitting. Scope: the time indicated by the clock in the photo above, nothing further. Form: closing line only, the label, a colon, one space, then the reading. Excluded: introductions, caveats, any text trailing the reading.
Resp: 10:54:10
